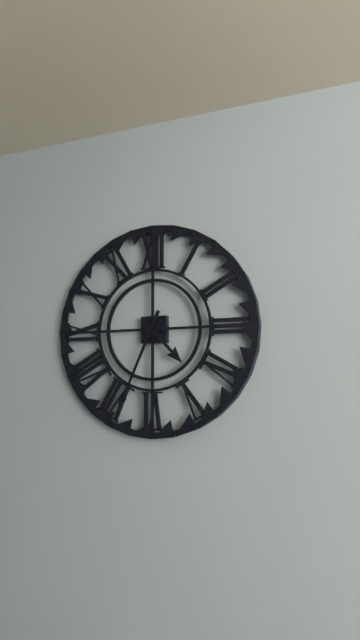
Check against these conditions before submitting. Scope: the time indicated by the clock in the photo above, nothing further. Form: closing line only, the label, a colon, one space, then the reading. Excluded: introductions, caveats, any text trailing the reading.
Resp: 4:34
